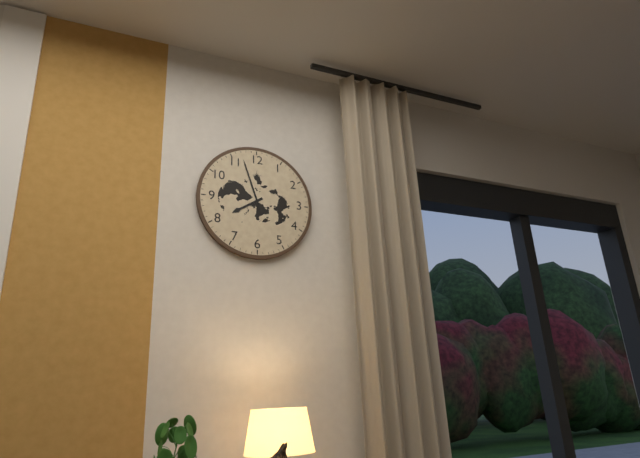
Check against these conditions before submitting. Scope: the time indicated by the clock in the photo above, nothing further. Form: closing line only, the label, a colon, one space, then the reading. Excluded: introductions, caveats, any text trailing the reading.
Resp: 7:57
